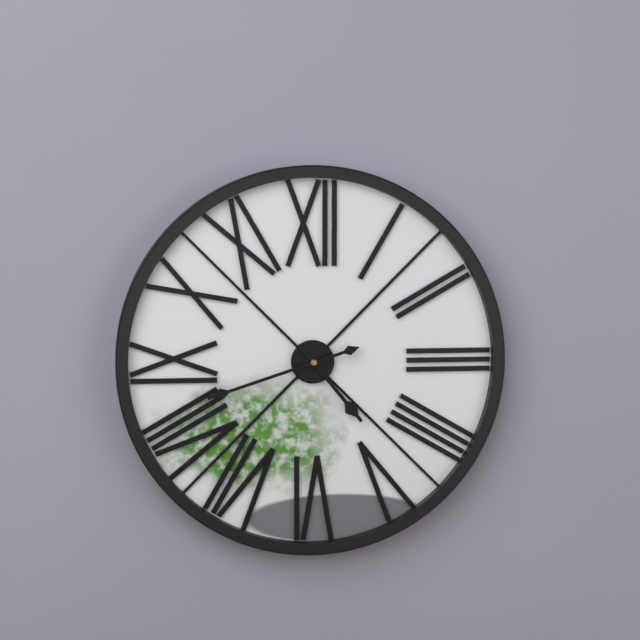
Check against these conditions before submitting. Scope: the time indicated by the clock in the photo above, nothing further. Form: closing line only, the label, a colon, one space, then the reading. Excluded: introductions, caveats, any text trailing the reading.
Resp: 4:42
